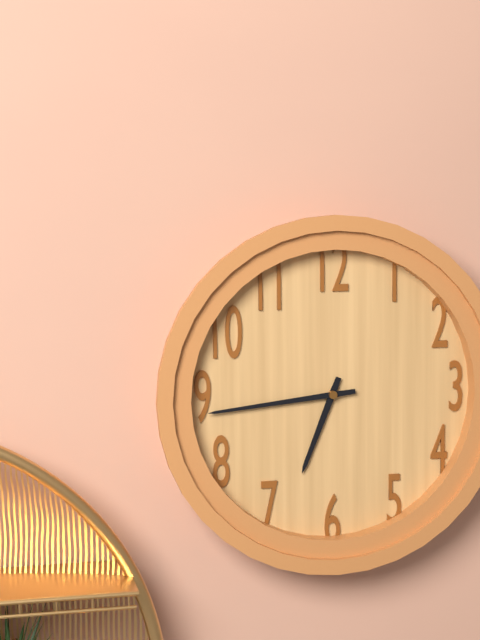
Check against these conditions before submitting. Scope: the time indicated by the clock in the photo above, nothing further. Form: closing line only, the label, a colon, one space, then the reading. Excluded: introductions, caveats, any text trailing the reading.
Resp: 6:44
